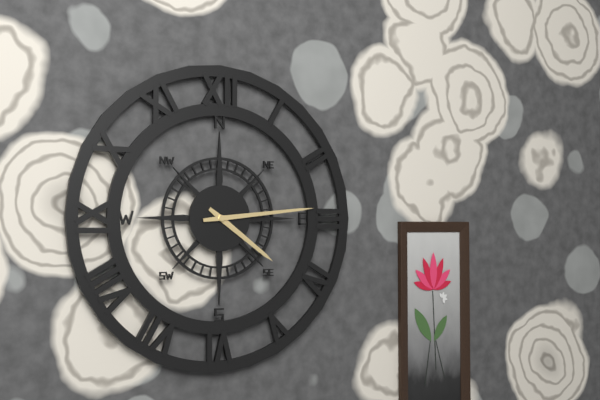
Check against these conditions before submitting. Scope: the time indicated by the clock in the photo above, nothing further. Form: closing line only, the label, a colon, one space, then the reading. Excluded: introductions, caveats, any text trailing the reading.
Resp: 4:14
